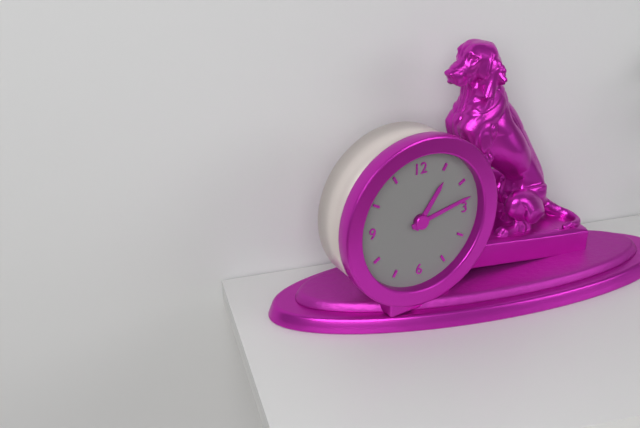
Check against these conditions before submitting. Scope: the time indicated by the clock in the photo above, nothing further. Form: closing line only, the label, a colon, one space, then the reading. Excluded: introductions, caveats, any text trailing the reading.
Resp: 1:13
